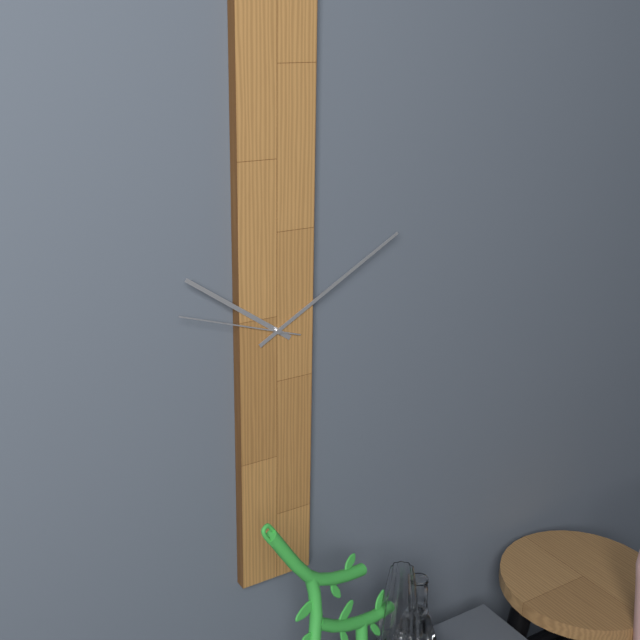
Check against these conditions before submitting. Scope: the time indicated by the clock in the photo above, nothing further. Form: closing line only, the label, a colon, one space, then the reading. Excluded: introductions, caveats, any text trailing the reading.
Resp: 10:10:48
